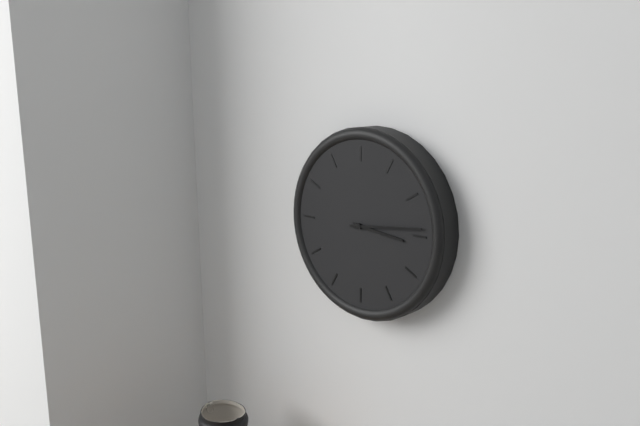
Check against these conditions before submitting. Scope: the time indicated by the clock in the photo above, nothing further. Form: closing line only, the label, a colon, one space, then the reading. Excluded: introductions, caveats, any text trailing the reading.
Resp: 3:14
